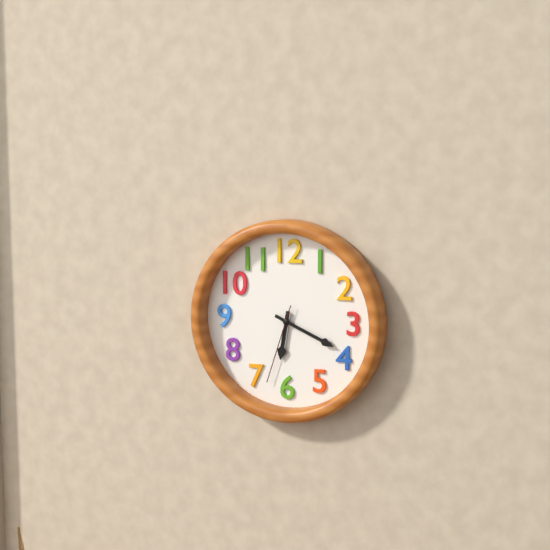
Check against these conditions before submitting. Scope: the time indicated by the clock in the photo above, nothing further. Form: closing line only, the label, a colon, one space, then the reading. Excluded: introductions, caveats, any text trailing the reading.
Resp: 6:19:33
